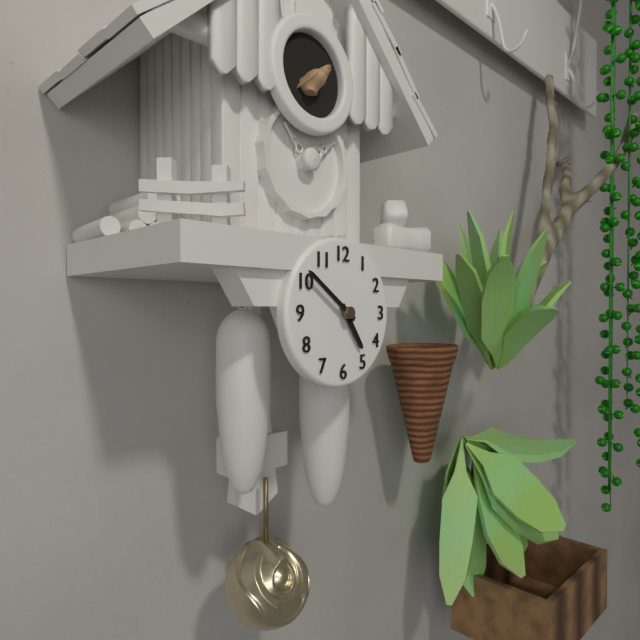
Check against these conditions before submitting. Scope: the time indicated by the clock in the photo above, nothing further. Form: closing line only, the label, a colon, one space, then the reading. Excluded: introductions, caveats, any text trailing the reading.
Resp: 4:51
